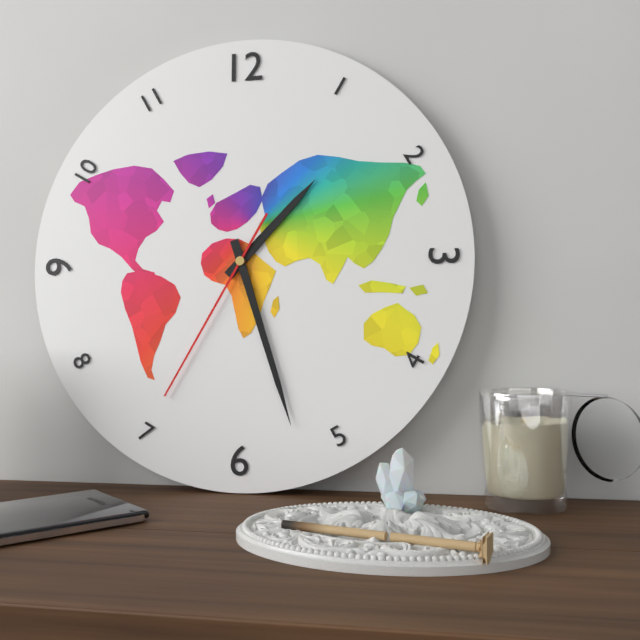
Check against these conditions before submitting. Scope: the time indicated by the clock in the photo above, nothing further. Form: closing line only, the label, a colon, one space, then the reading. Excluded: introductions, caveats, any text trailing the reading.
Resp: 1:27:35
